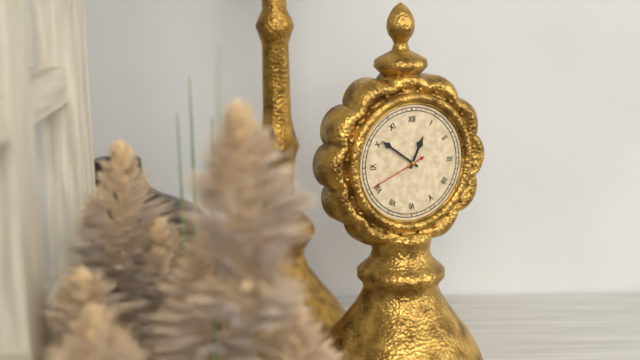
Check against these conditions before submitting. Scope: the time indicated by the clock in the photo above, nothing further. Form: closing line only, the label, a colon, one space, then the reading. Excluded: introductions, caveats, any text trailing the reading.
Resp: 12:51:41
